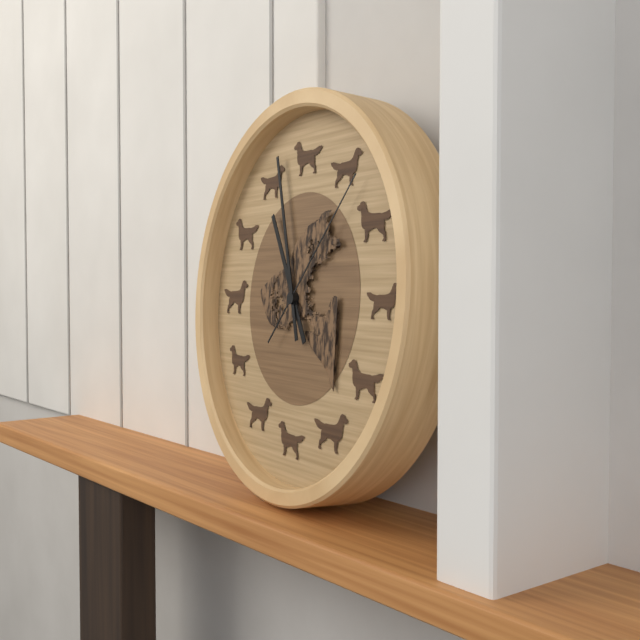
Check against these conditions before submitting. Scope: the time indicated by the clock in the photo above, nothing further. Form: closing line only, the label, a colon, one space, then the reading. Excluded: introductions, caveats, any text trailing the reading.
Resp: 10:57:07
